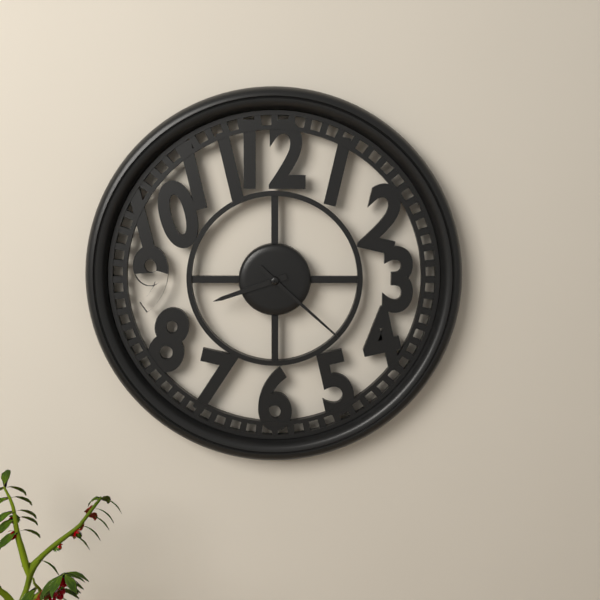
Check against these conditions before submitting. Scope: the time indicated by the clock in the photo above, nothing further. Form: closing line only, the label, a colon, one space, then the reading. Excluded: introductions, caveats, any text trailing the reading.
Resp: 8:22
